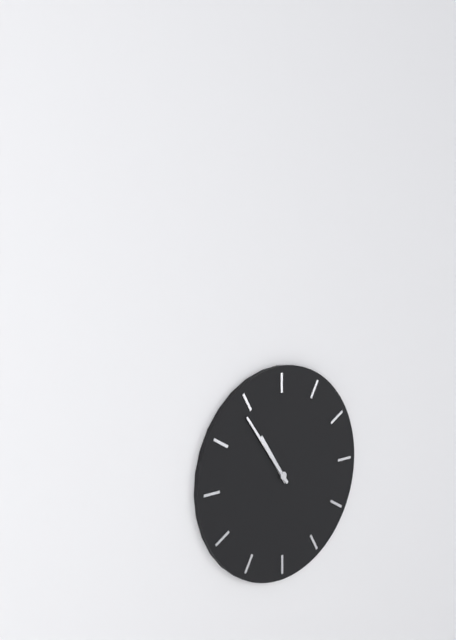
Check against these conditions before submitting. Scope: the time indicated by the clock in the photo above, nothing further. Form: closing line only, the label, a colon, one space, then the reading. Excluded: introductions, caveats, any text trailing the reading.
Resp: 10:54
